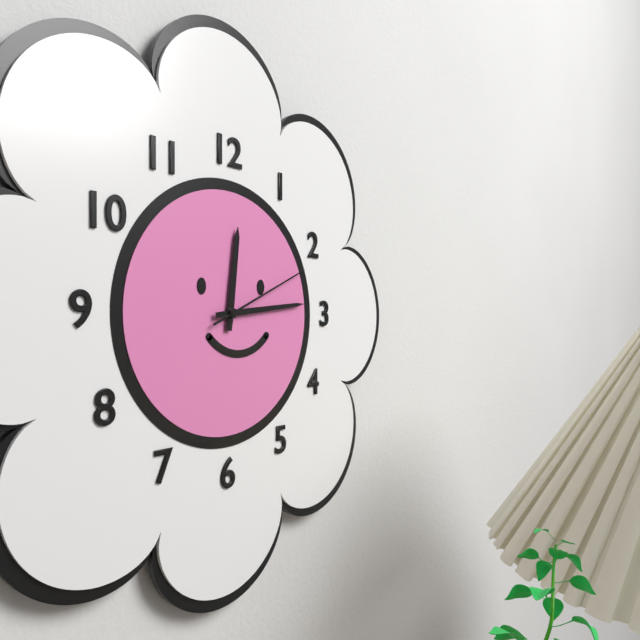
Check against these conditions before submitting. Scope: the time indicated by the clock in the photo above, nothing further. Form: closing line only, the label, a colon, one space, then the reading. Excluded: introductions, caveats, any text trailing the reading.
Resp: 12:14:11
